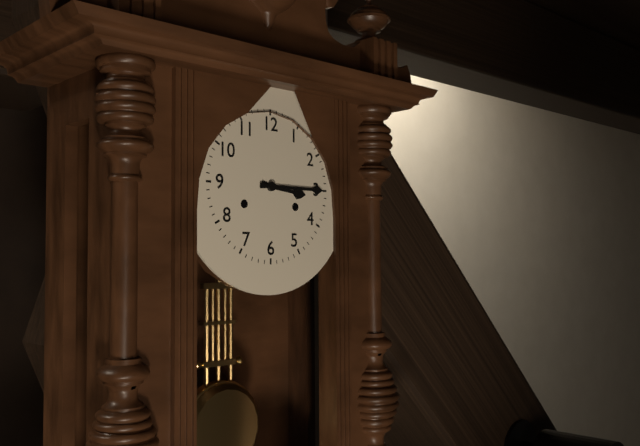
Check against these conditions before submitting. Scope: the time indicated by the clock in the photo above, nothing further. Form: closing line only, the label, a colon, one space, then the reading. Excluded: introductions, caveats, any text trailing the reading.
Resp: 3:15
